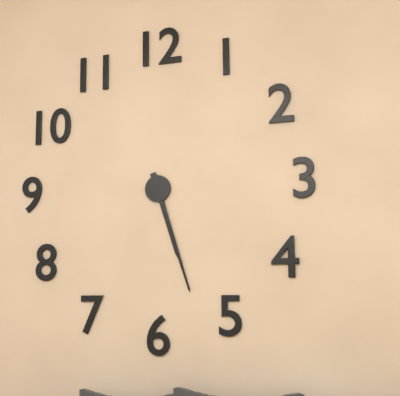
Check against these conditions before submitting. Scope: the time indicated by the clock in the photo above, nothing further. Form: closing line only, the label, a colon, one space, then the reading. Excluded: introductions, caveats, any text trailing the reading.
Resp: 5:27
